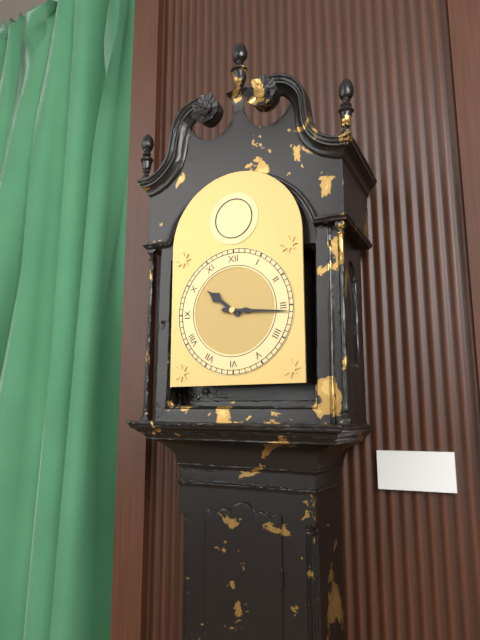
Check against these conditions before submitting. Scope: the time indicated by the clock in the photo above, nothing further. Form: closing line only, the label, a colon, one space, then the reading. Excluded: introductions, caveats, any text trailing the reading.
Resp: 10:16
